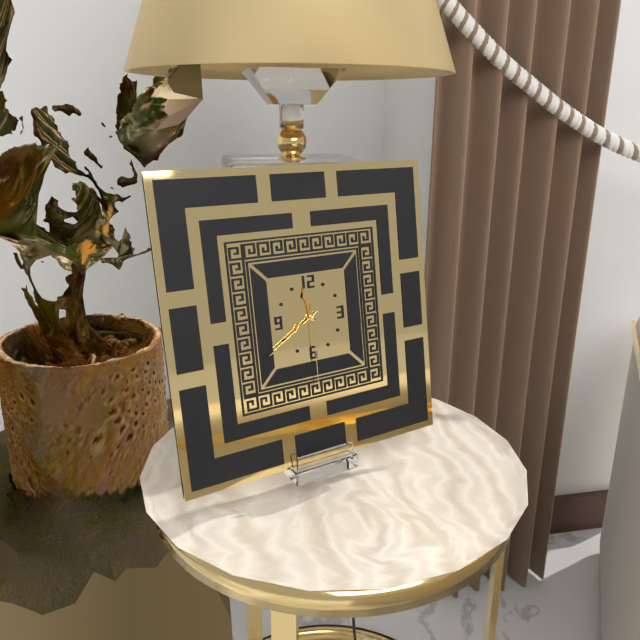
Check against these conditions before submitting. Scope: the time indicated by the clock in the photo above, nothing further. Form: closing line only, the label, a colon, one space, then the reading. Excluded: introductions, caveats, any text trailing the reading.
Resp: 11:40:30
